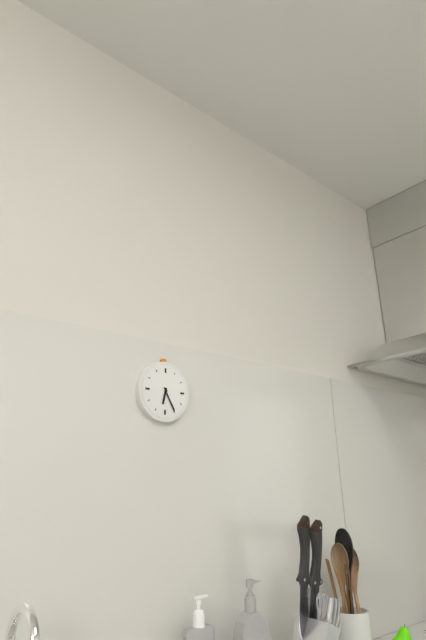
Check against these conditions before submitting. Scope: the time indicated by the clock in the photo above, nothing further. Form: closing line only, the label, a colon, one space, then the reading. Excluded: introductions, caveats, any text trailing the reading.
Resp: 6:25
